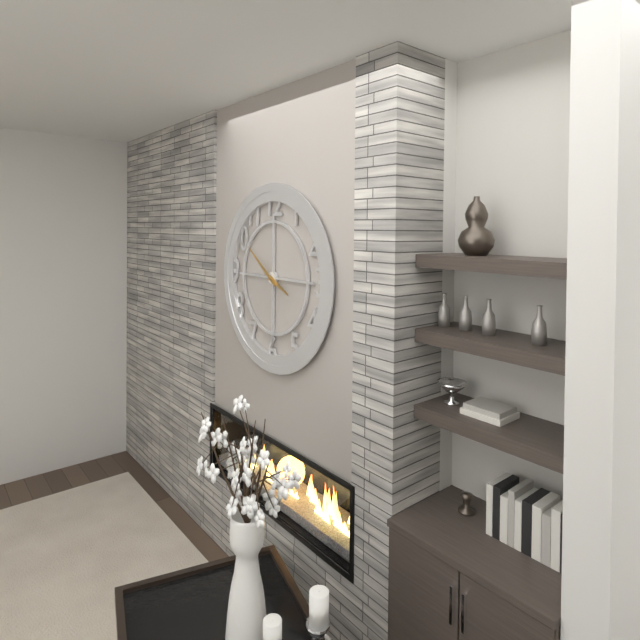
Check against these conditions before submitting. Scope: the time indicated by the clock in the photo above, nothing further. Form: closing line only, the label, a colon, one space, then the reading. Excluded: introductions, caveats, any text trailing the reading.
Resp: 3:51
